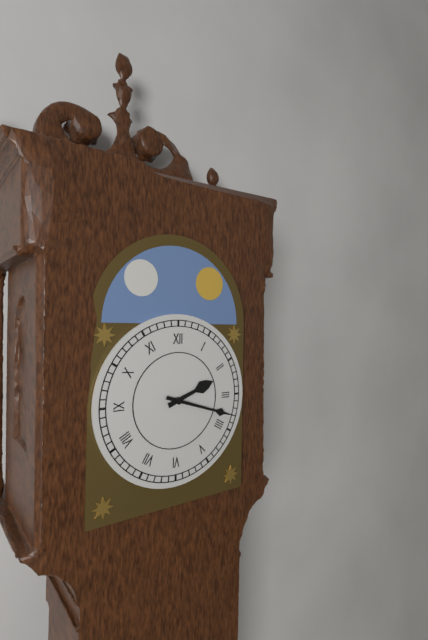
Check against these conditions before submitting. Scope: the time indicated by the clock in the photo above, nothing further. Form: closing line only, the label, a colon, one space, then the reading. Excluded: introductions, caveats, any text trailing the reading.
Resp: 2:18
